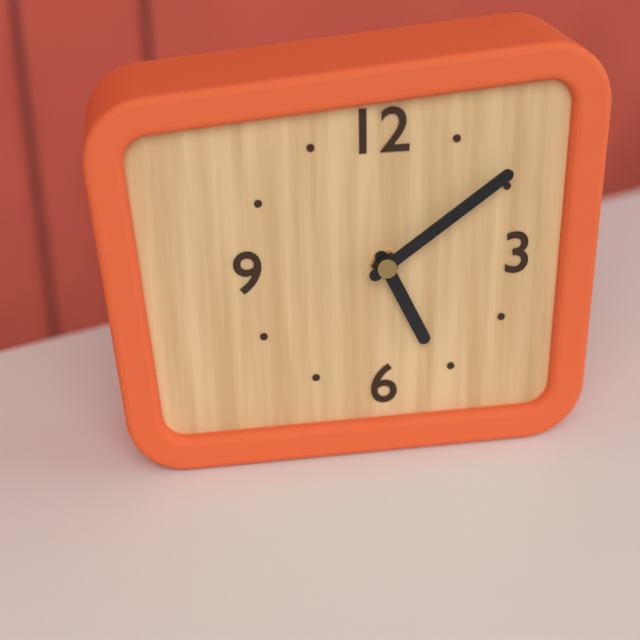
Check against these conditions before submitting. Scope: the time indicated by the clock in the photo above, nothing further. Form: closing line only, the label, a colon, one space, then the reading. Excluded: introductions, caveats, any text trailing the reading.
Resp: 5:09
